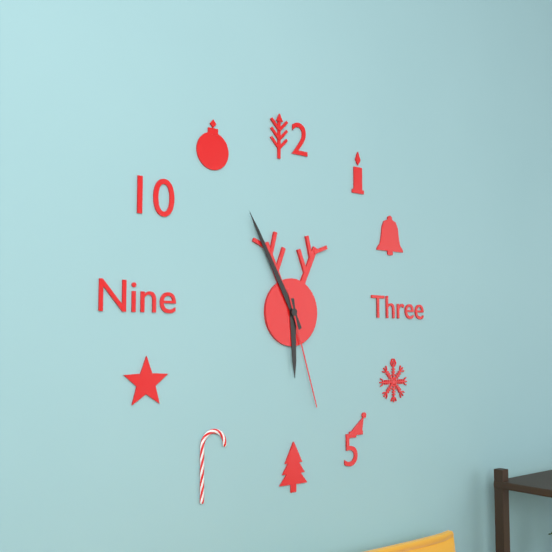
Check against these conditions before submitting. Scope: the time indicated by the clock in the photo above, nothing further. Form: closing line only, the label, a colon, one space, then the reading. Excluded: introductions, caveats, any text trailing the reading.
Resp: 5:55:27
